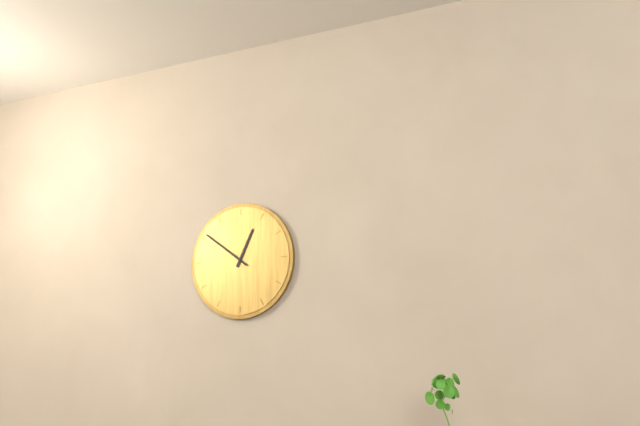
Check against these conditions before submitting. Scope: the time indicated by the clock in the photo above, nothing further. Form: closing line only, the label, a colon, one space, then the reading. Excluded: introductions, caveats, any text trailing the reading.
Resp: 12:51
